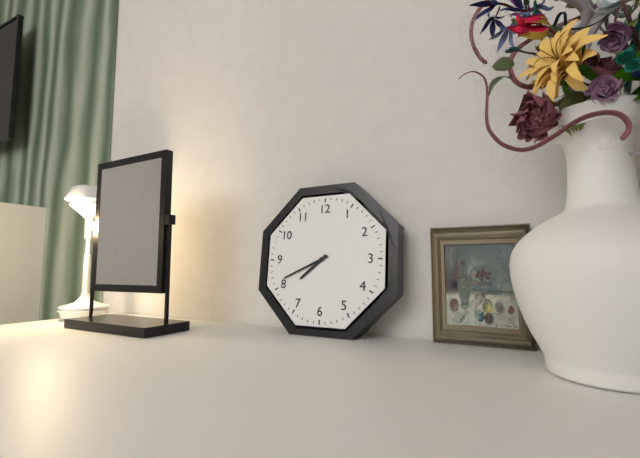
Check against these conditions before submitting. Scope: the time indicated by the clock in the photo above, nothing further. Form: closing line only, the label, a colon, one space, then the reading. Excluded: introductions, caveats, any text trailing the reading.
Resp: 7:41
